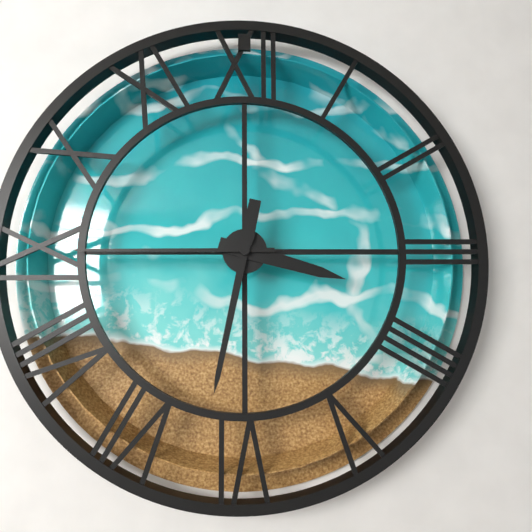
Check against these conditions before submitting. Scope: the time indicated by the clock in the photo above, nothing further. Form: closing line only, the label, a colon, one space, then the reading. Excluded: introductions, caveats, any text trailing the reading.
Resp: 3:32:45
